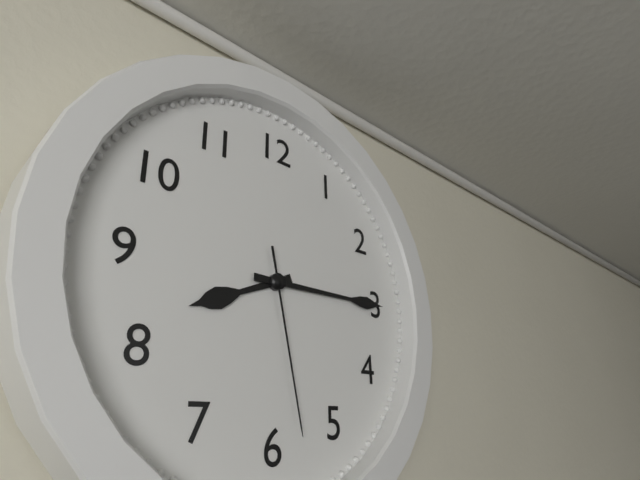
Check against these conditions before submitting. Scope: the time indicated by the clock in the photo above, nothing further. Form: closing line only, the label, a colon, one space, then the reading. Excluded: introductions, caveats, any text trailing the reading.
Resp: 8:15:28
